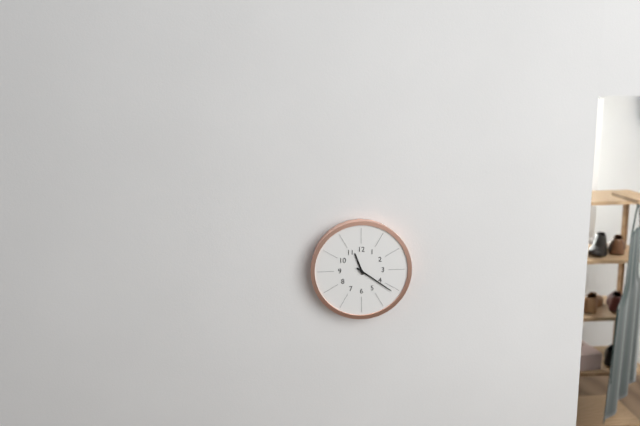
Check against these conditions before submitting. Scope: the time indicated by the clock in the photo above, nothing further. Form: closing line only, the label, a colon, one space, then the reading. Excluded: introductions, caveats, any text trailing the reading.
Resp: 11:21
